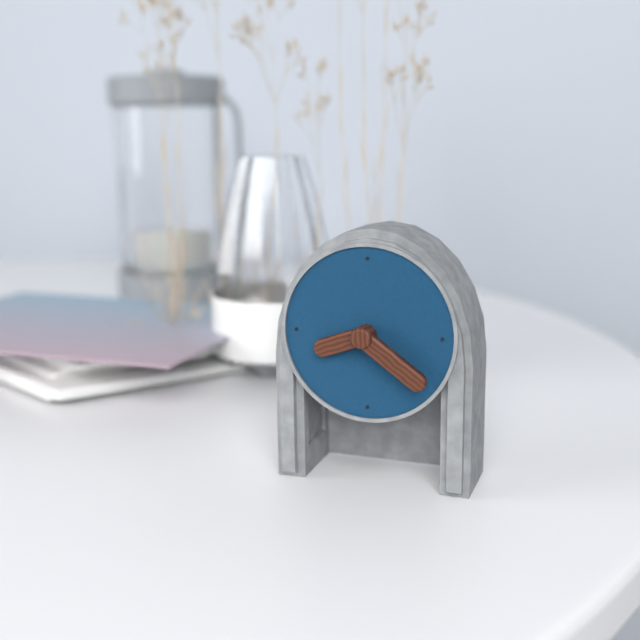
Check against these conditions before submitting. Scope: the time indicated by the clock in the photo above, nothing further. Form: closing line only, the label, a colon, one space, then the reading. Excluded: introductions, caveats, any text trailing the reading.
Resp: 8:21
